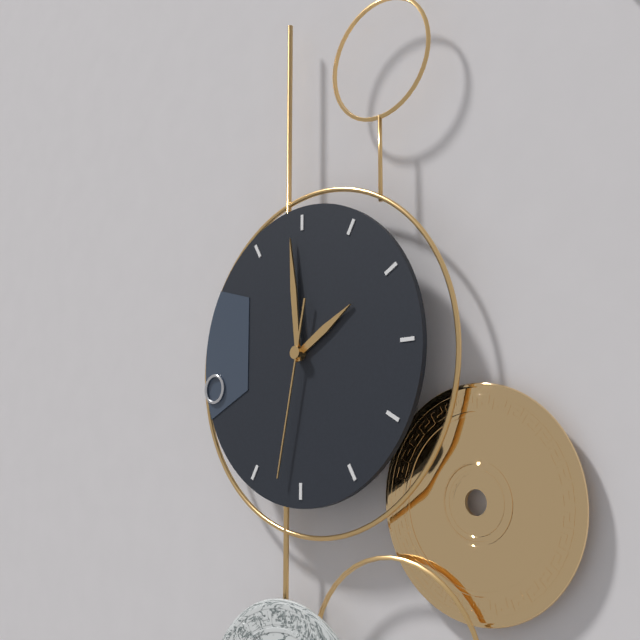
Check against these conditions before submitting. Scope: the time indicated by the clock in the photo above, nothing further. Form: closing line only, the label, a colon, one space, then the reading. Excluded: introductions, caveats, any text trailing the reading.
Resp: 1:59:32
